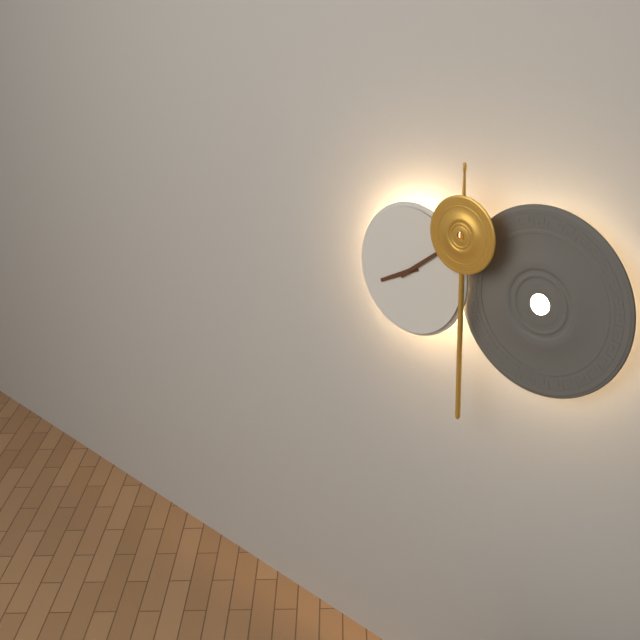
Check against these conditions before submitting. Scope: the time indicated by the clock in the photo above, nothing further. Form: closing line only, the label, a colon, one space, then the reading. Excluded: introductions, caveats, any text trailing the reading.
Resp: 8:09
